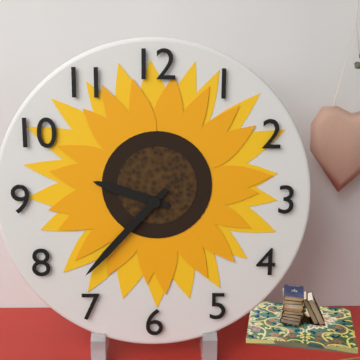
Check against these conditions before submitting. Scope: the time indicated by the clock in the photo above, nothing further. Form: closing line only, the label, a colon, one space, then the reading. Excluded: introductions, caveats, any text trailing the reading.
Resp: 9:37
